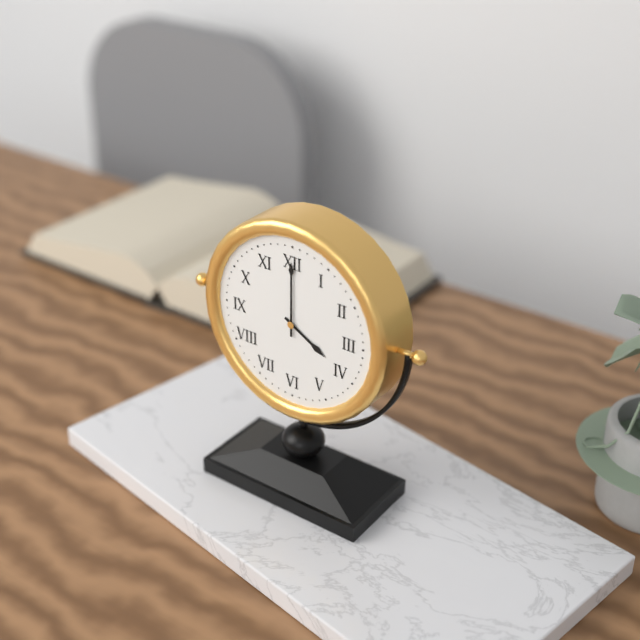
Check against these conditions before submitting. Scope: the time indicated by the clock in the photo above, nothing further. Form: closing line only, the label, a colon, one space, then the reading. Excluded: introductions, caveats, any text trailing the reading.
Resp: 4:00
